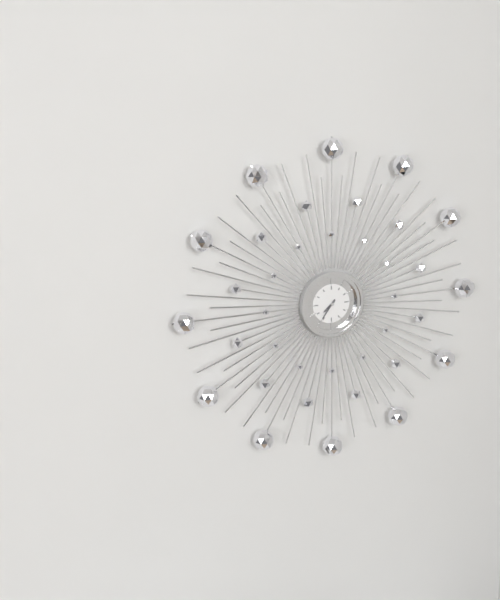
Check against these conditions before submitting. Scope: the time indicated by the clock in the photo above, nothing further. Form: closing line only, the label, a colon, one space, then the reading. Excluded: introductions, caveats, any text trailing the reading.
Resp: 7:36
